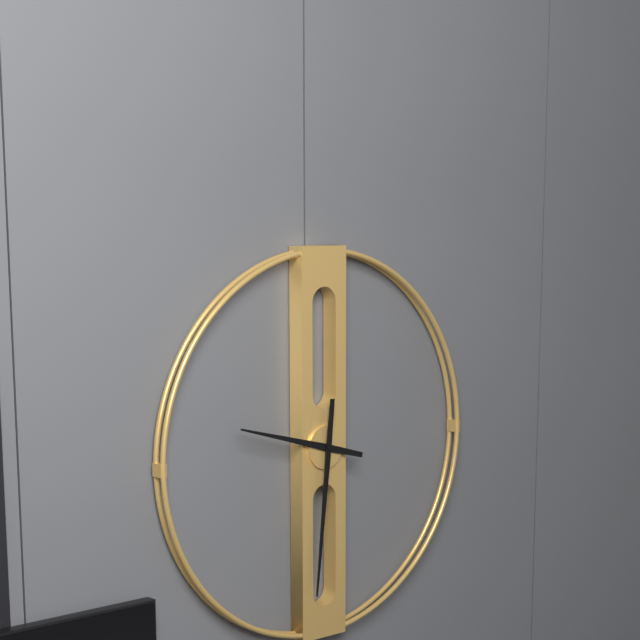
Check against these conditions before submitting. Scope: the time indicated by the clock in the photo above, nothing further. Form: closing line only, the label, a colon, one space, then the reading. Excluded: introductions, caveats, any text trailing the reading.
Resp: 9:31
